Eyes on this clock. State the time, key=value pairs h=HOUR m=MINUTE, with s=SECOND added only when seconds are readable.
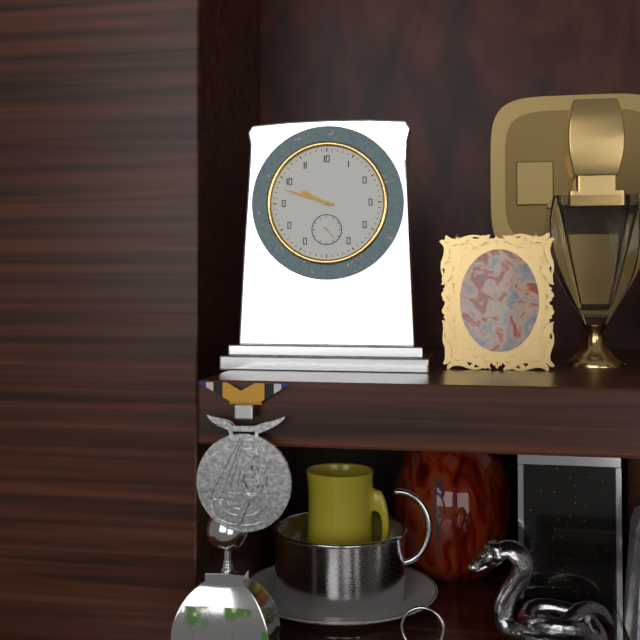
h=9 m=48
